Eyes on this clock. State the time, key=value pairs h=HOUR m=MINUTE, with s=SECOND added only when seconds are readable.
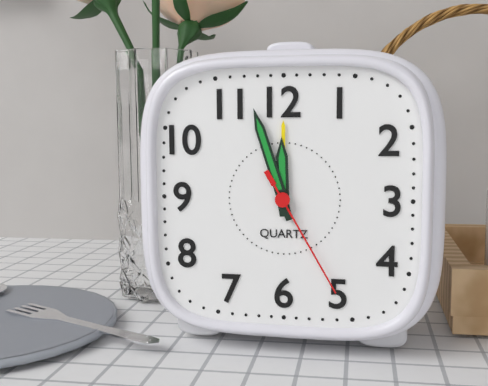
h=11 m=57 s=25
